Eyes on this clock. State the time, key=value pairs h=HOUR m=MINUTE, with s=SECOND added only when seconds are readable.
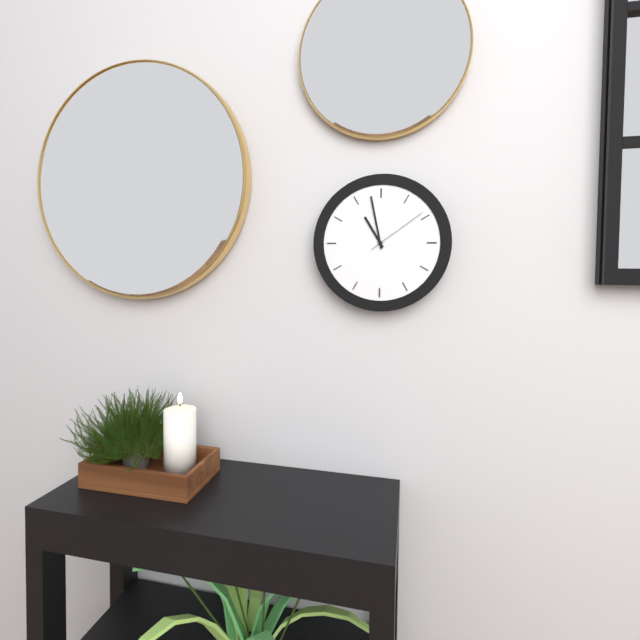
h=10 m=58 s=9
